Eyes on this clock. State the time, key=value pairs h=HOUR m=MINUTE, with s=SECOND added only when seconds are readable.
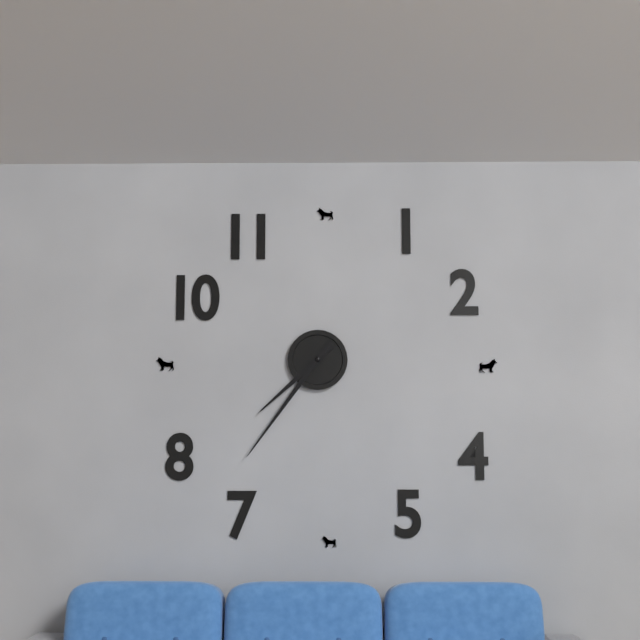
h=7 m=36
